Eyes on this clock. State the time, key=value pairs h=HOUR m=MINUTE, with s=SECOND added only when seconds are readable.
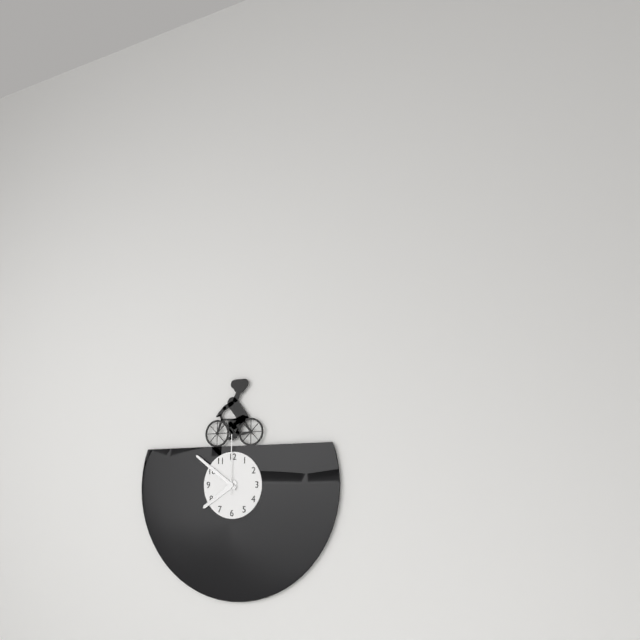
h=7 m=51 s=0
